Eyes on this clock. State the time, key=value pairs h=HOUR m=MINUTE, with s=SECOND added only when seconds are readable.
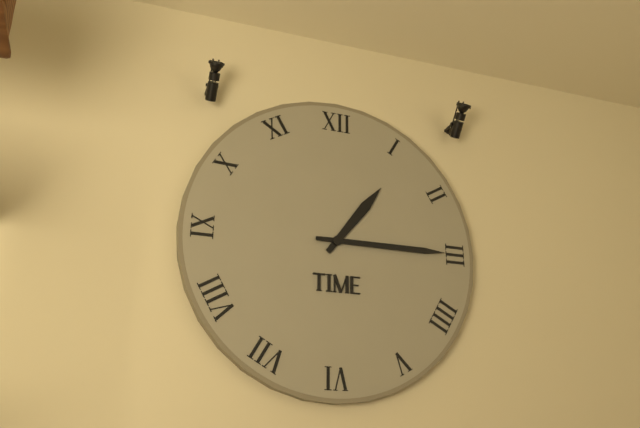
h=1 m=15
